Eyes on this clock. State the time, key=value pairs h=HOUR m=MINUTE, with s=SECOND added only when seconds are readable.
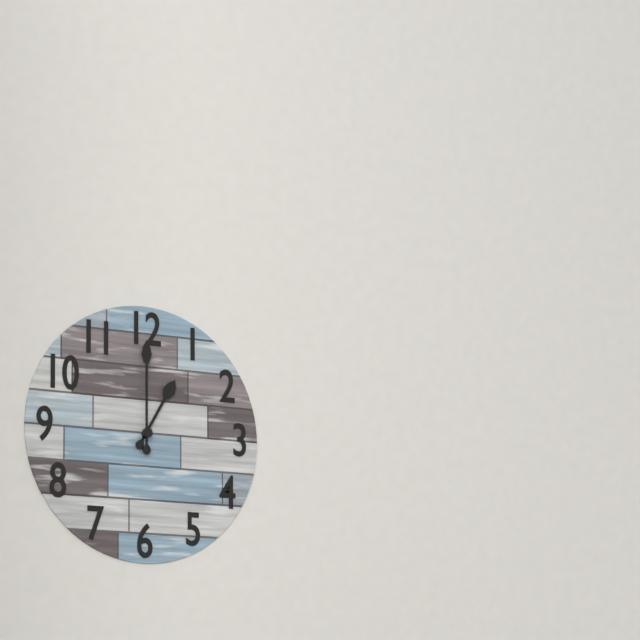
h=1 m=0
